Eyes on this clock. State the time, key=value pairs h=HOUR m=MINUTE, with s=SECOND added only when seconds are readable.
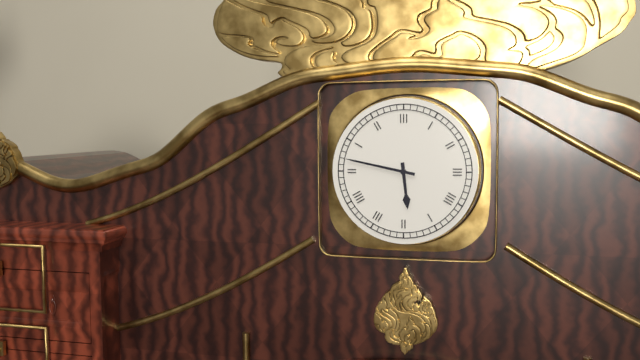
h=5 m=47
